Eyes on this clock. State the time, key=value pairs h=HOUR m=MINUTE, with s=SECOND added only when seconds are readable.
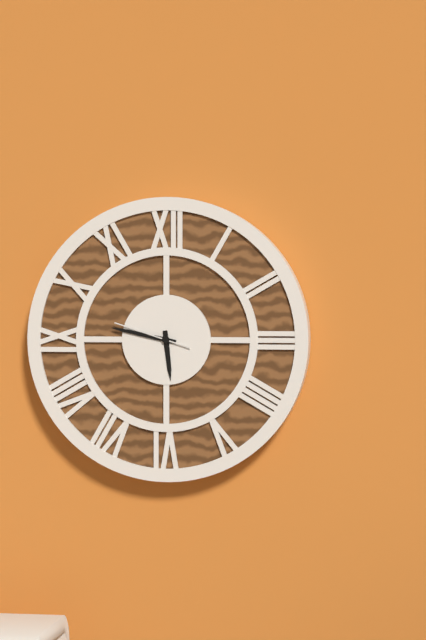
h=5 m=47 s=48
